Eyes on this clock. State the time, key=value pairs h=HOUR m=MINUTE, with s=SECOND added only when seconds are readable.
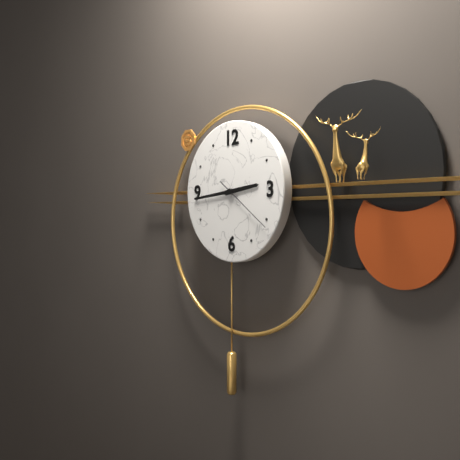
h=2 m=44 s=21
